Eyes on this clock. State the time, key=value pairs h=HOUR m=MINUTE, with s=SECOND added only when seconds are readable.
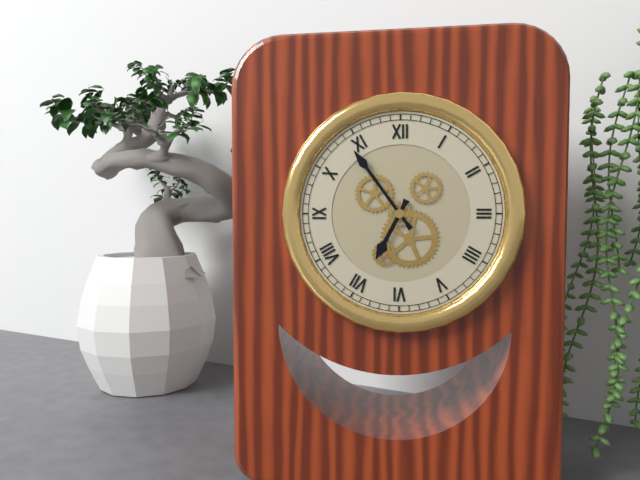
h=6 m=54
